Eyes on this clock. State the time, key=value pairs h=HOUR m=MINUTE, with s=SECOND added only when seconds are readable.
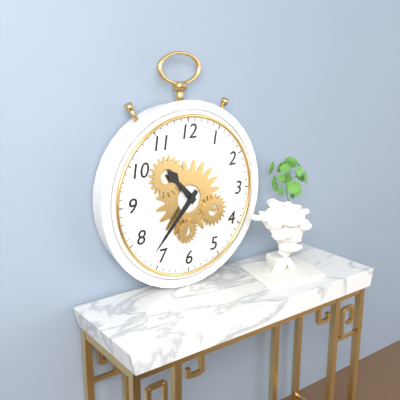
h=10 m=37
